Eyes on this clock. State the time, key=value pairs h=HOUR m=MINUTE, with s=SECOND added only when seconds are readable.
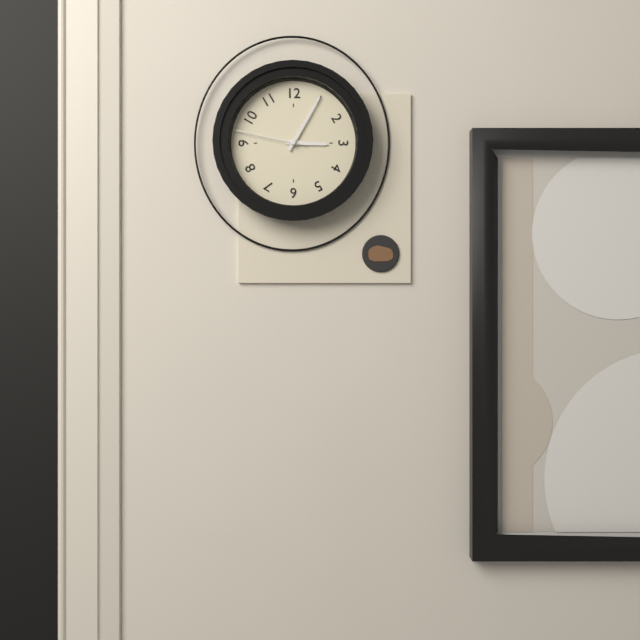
h=3 m=5 s=47
